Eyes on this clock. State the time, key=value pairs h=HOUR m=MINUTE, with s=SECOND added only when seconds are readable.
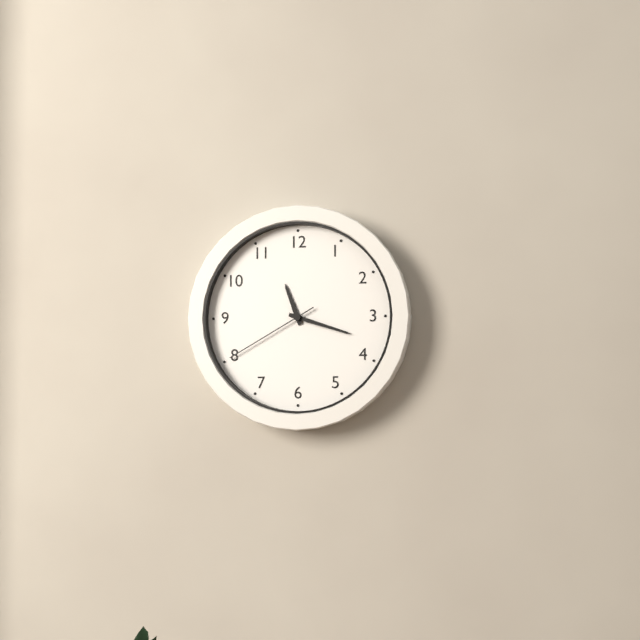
h=11 m=18 s=40
